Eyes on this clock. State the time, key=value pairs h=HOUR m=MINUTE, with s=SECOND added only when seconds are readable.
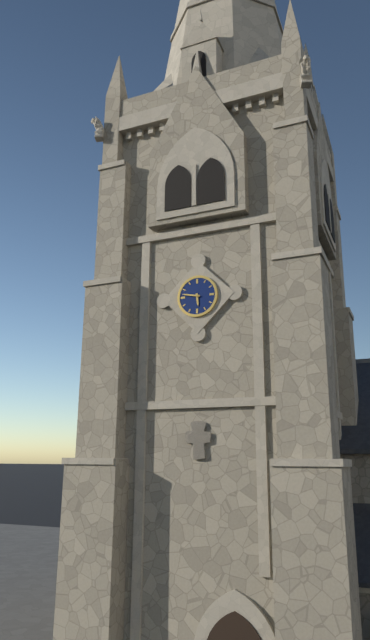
h=5 m=47
